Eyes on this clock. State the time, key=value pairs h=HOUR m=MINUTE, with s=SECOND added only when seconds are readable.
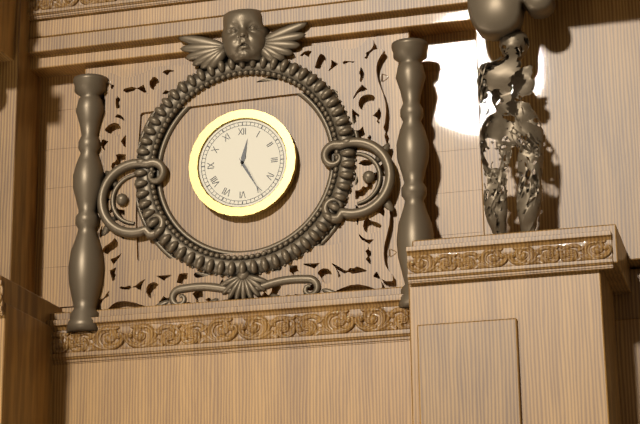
h=12 m=25
